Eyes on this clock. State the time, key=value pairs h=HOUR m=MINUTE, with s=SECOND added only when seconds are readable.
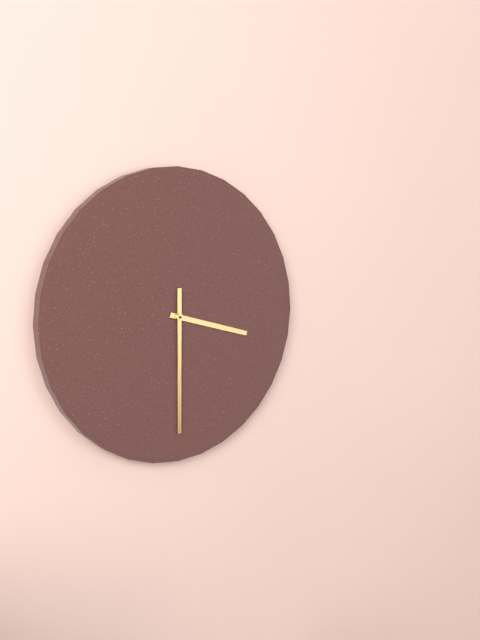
h=3 m=30
